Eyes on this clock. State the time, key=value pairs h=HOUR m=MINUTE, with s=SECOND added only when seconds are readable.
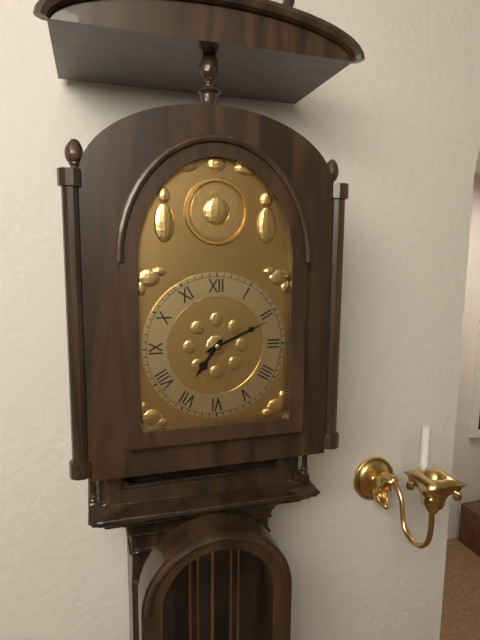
h=7 m=11
